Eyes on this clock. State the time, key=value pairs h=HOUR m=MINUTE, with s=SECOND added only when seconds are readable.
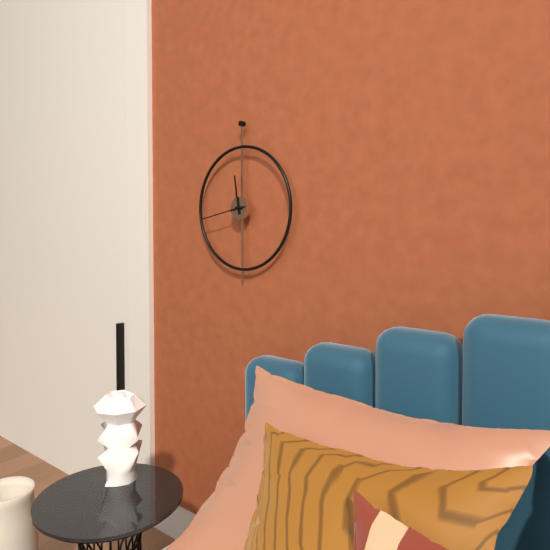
h=11 m=43
